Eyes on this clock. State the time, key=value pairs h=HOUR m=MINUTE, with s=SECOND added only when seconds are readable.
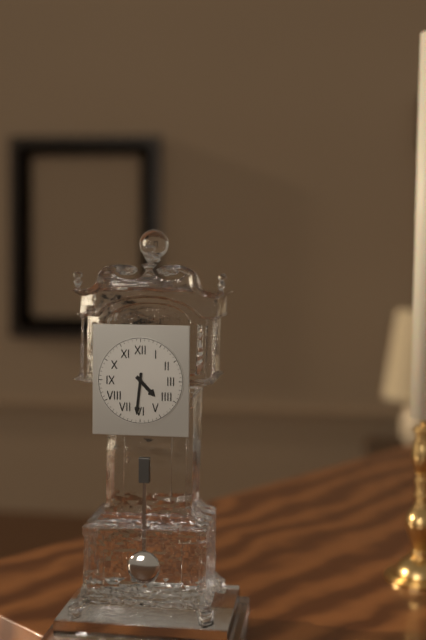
h=4 m=31
